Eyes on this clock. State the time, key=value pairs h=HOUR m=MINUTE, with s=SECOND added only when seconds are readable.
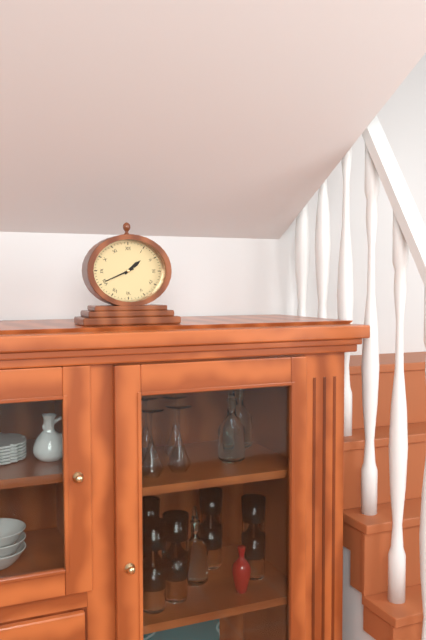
h=1 m=41
